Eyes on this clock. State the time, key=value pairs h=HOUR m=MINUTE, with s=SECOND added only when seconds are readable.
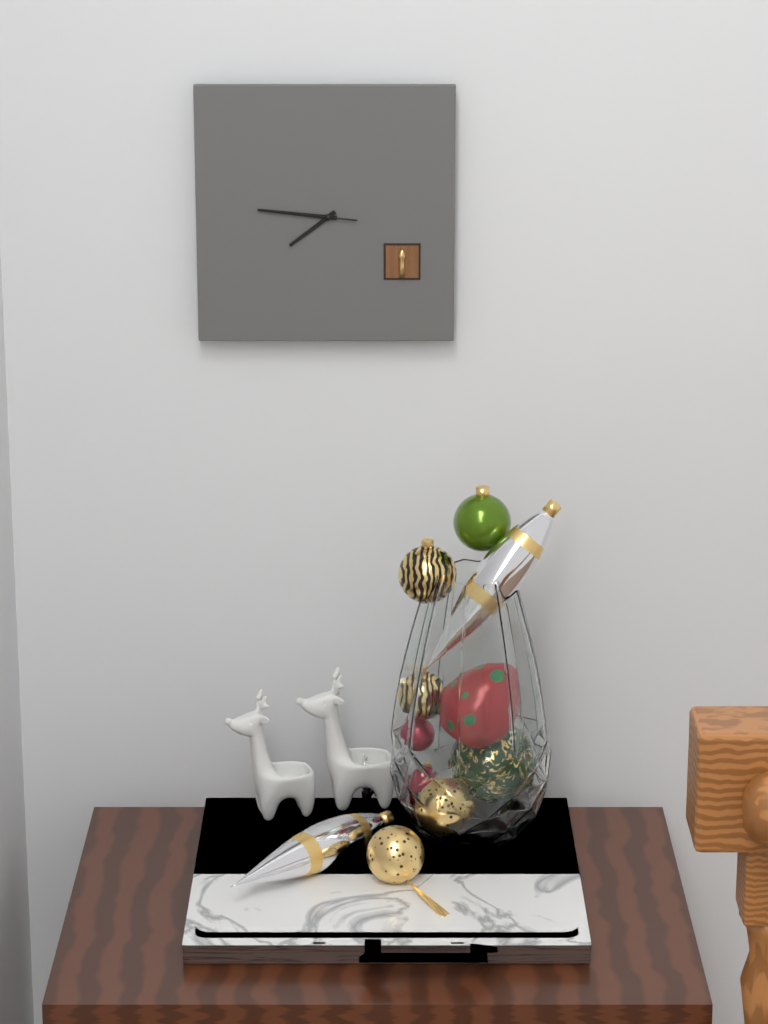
h=7 m=46 s=46
